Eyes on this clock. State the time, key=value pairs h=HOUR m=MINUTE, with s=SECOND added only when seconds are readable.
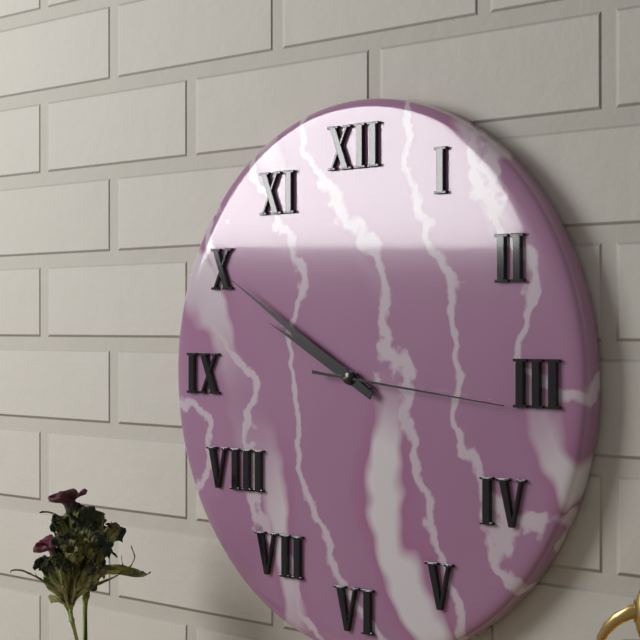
h=9 m=50 s=16
